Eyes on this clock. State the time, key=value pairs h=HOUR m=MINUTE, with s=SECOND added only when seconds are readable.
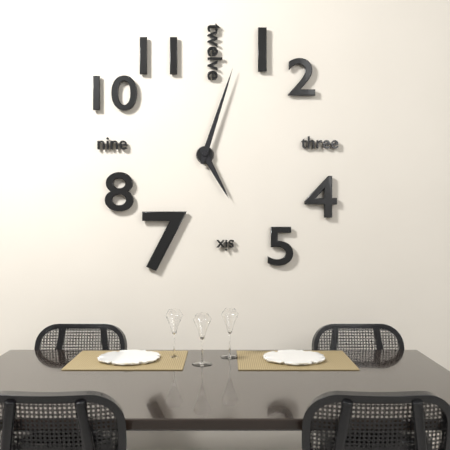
h=5 m=3
